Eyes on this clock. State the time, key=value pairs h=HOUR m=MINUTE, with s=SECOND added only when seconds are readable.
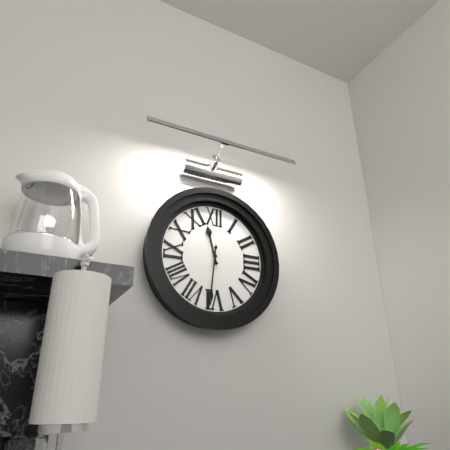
h=11 m=31
